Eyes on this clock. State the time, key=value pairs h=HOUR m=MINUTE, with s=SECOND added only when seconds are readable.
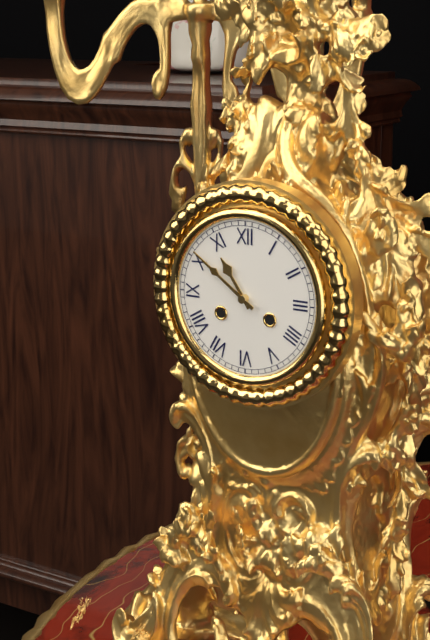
h=10 m=51
